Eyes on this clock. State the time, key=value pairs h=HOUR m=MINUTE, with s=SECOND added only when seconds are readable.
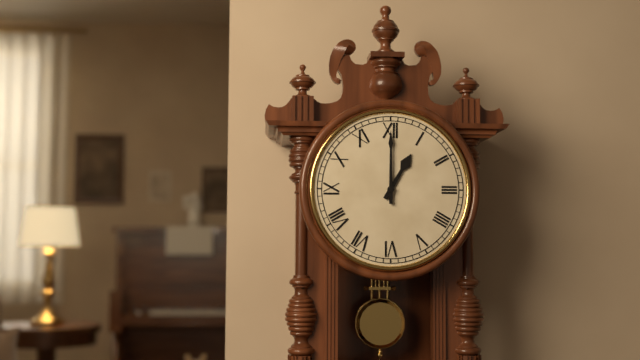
h=1 m=0
